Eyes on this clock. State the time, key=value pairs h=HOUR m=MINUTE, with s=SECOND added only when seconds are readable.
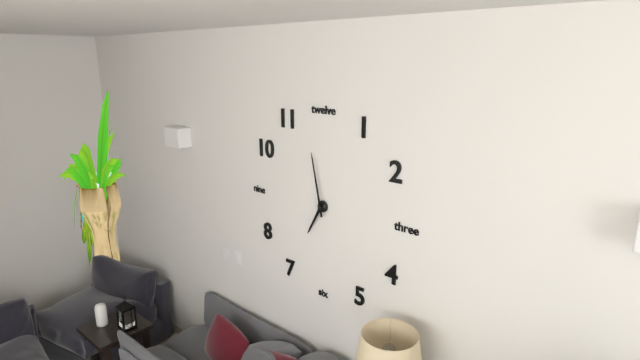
h=6 m=58
